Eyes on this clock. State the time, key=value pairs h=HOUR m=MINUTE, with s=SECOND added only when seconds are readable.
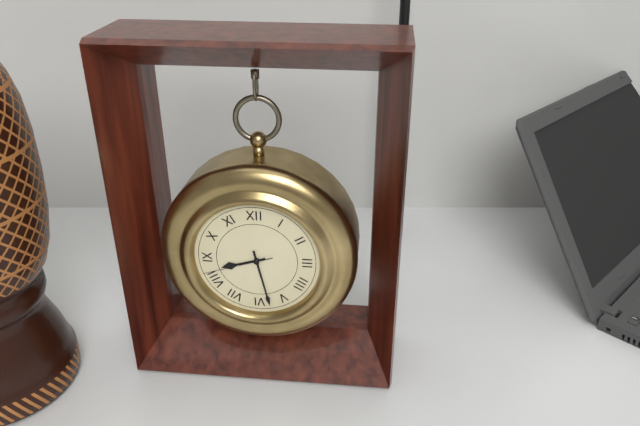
h=8 m=28 s=42
